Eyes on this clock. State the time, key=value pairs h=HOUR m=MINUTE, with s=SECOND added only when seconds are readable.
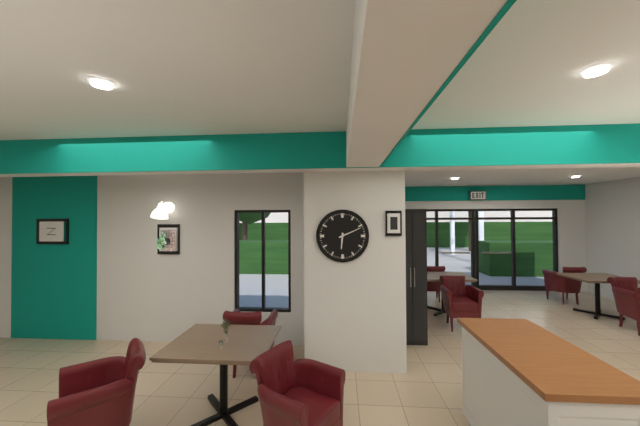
h=6 m=11
